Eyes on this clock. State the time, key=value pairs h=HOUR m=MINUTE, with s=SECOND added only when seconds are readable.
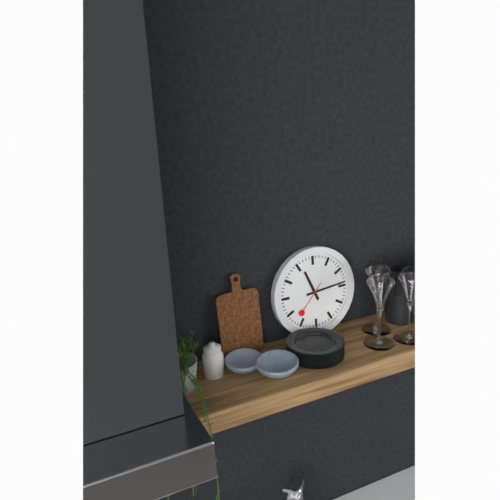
h=11 m=14
